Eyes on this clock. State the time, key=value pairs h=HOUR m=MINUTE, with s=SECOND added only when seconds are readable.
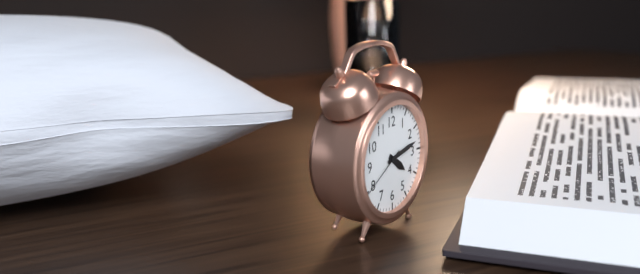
h=4 m=13 s=40
